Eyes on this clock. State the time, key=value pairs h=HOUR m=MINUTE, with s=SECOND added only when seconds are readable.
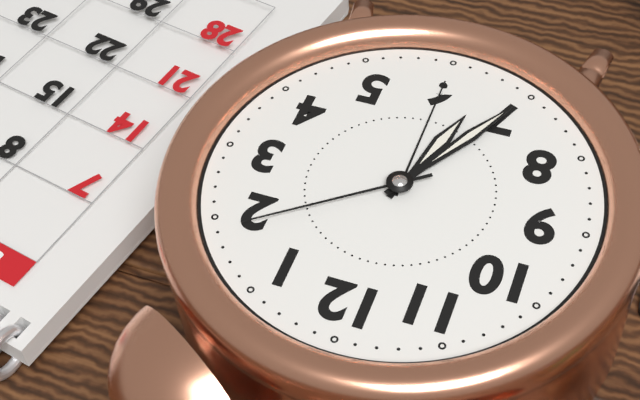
h=6 m=35 s=9
